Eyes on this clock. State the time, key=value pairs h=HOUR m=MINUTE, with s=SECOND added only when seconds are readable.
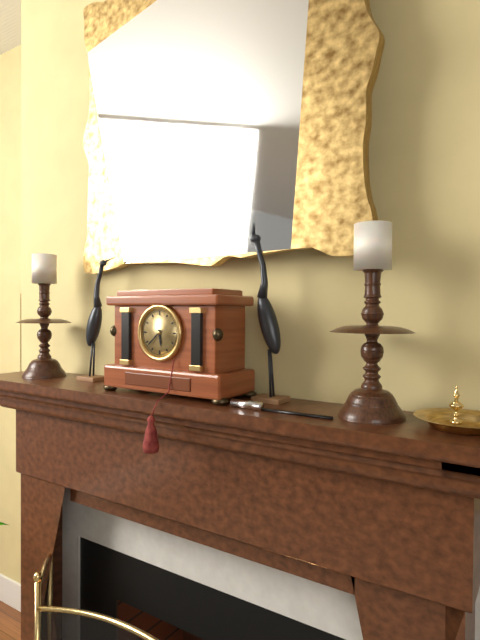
h=5 m=38
